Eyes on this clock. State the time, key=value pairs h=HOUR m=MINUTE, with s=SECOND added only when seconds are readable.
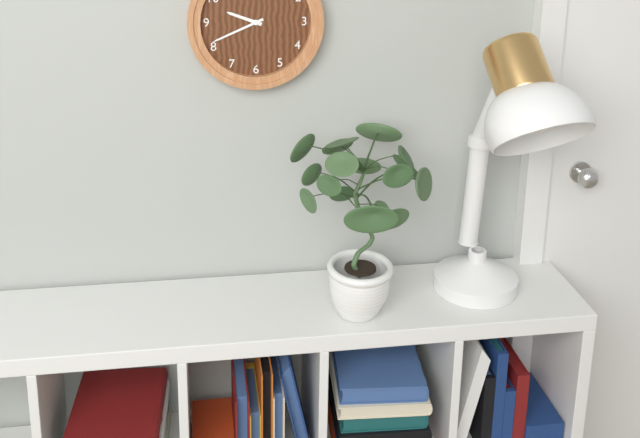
h=9 m=41
